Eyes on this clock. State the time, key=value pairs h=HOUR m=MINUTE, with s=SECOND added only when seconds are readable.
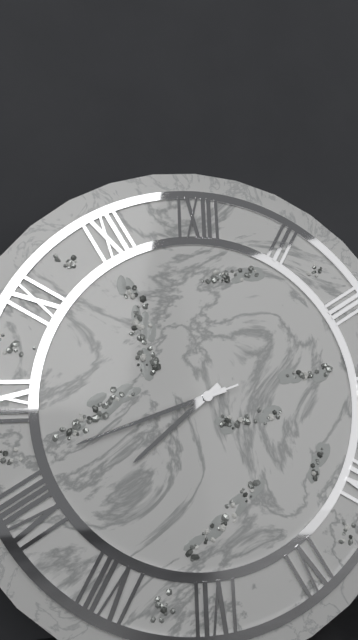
h=7 m=42 s=42
